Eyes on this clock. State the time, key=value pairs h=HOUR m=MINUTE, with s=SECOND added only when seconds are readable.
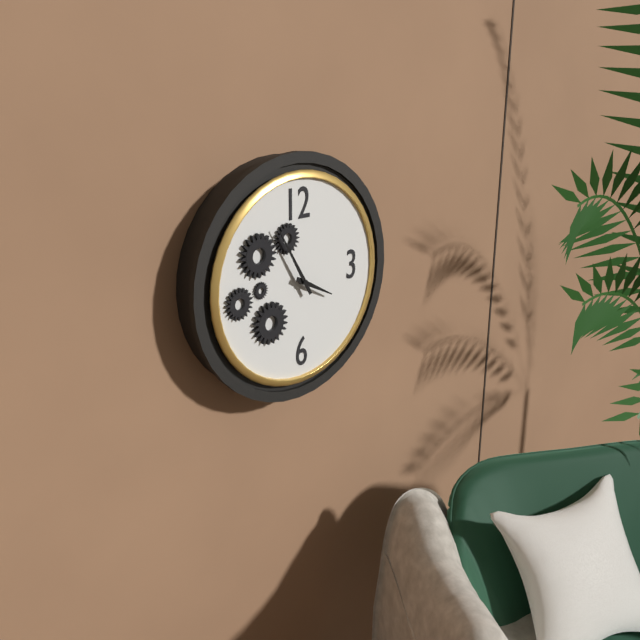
h=3 m=55
